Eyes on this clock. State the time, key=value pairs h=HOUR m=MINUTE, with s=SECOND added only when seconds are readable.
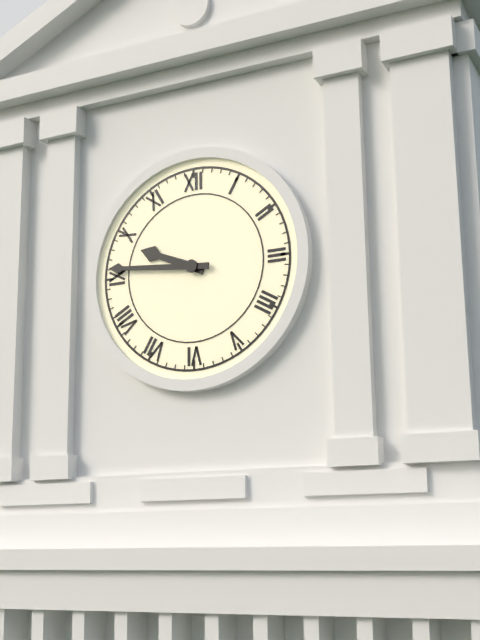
h=9 m=46
